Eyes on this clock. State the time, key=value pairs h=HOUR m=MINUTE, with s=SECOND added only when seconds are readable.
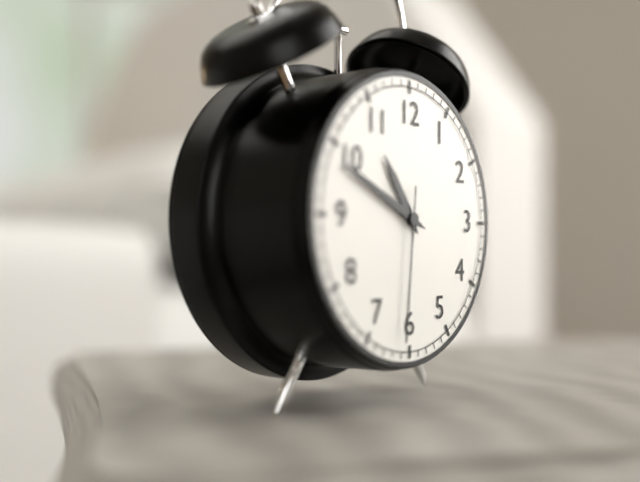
h=10 m=49 s=31
